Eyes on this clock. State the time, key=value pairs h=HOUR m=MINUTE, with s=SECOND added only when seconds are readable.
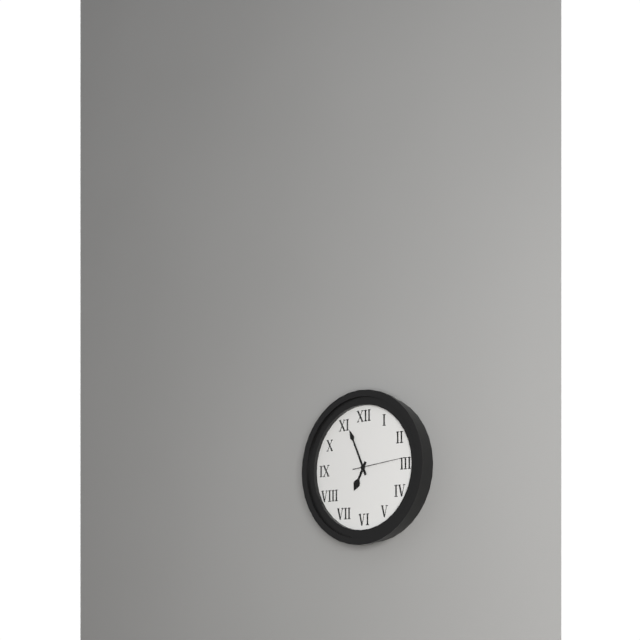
h=6 m=56 s=14
